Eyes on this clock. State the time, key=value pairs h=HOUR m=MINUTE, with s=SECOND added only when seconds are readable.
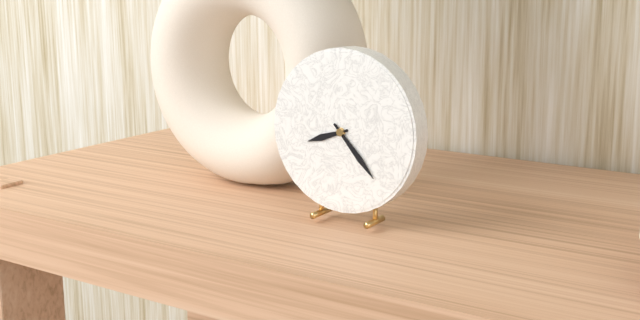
h=8 m=23
